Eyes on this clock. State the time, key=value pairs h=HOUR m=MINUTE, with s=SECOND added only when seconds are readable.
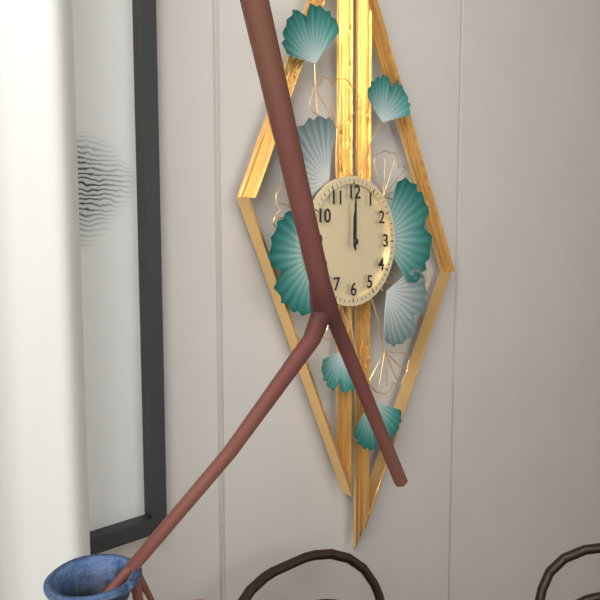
h=12 m=0
